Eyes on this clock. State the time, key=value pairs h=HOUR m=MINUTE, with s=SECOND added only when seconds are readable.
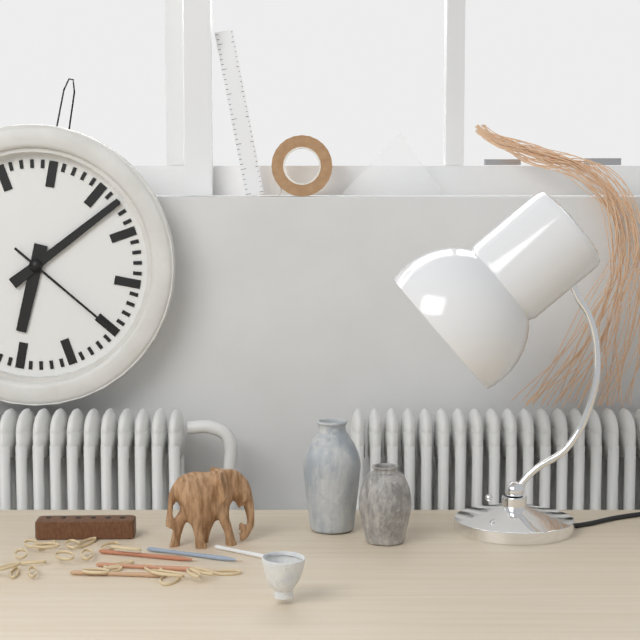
h=6 m=7 s=20
